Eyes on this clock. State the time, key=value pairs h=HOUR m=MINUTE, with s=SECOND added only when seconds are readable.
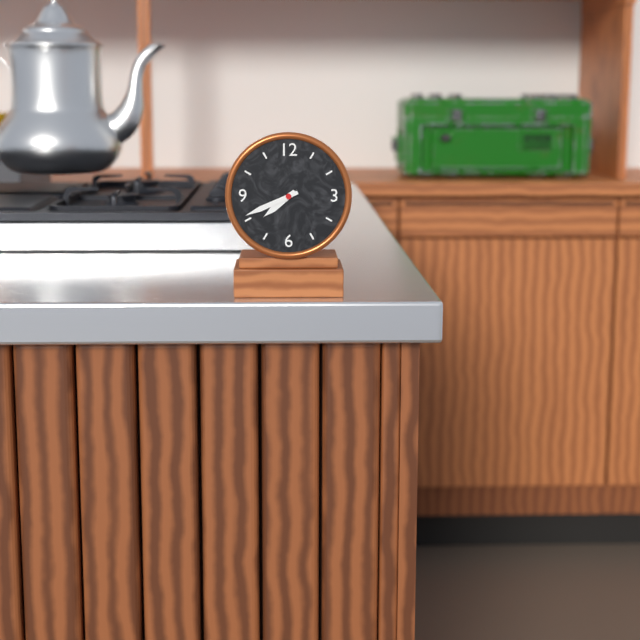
h=7 m=41
